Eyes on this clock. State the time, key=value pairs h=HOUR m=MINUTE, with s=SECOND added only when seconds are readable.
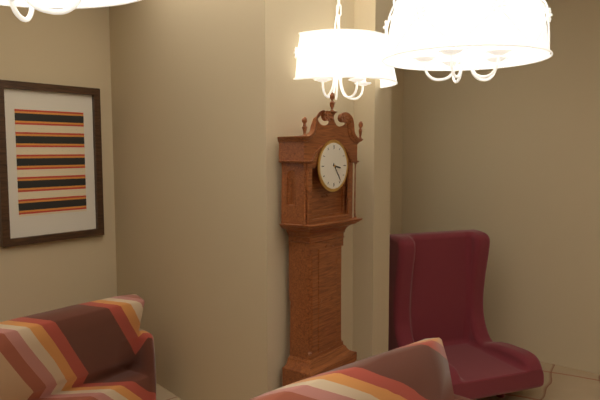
h=3 m=24
